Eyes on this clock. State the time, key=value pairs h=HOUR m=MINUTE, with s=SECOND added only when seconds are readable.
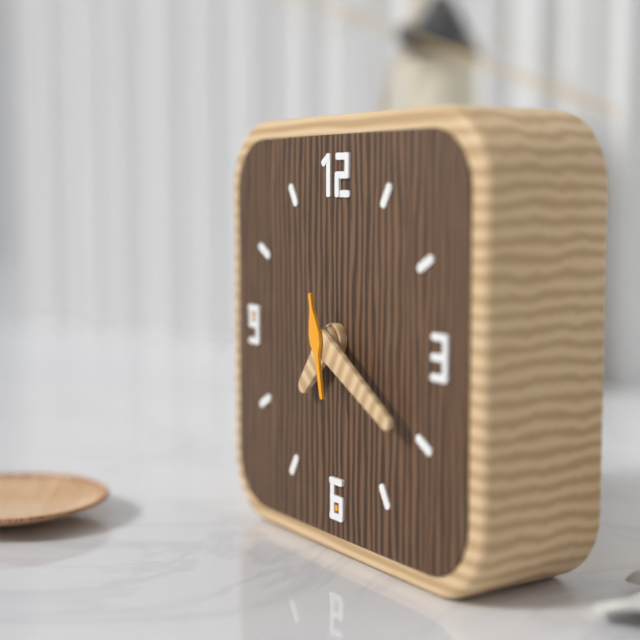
h=7 m=20 s=28
